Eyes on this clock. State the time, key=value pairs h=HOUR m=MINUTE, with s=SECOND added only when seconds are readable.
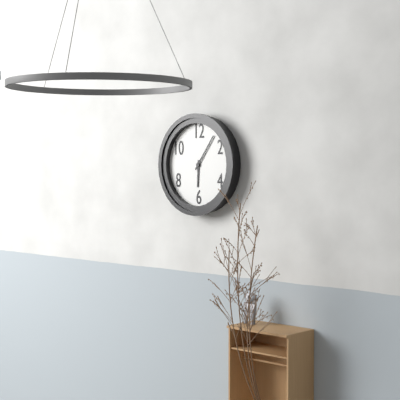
h=6 m=6
